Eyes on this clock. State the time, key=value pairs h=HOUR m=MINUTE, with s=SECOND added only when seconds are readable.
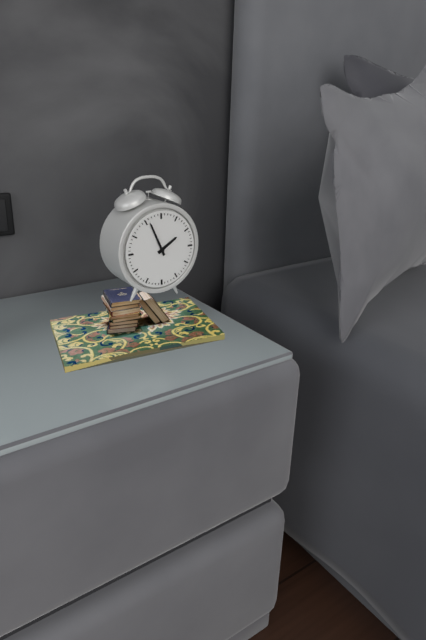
h=1 m=56
